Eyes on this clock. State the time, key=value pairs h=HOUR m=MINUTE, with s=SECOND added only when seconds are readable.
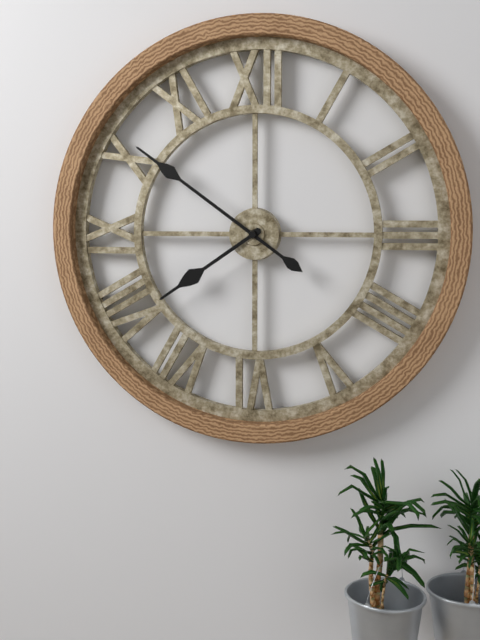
h=7 m=51
